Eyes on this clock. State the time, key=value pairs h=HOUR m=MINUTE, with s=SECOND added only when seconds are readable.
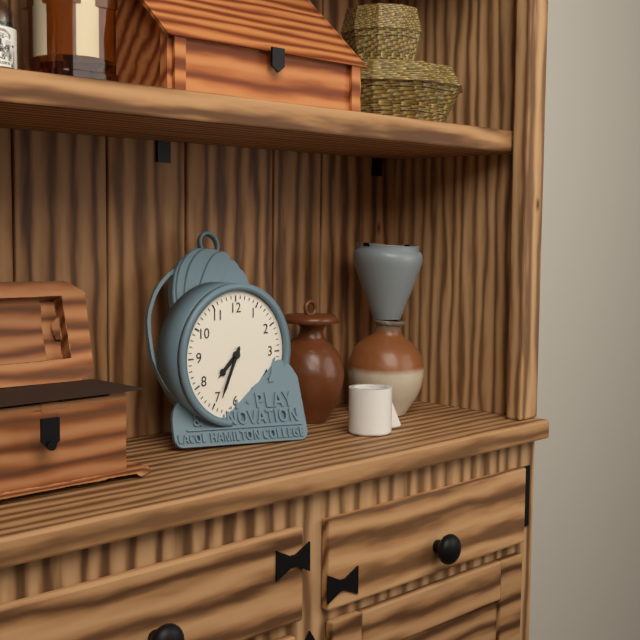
h=7 m=34
